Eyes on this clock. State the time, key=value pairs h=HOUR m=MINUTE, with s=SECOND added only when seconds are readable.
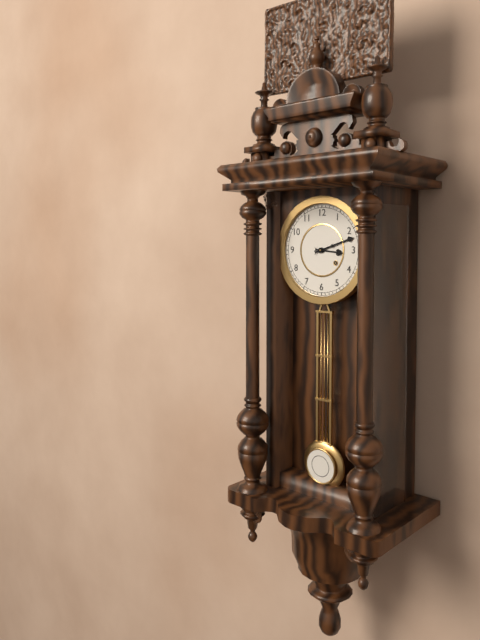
h=3 m=12
